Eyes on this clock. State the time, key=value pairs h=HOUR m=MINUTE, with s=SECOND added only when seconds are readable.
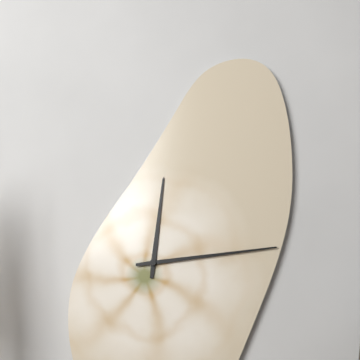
h=12 m=14
